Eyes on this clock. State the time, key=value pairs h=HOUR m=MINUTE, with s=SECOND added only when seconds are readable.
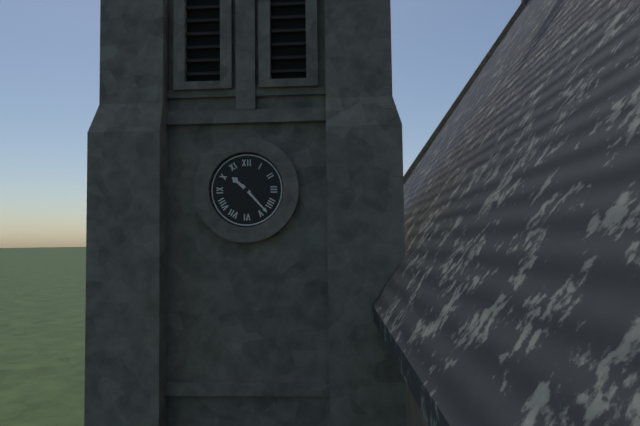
h=10 m=23
